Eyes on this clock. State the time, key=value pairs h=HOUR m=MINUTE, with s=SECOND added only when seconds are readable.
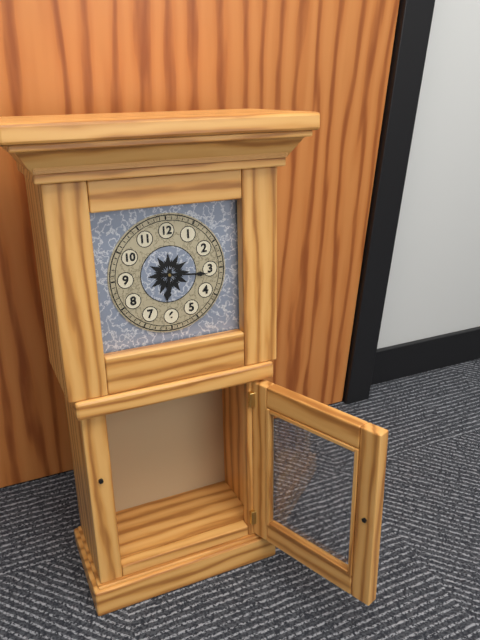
h=6 m=16
